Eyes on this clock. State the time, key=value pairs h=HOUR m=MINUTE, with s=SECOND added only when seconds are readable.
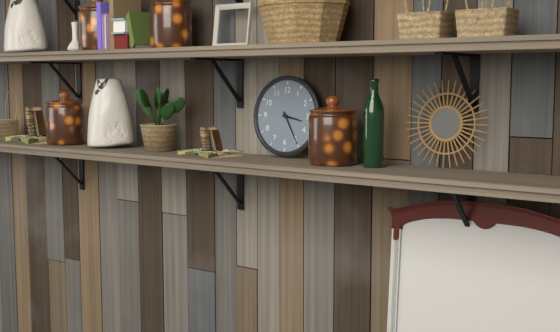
h=3 m=25
